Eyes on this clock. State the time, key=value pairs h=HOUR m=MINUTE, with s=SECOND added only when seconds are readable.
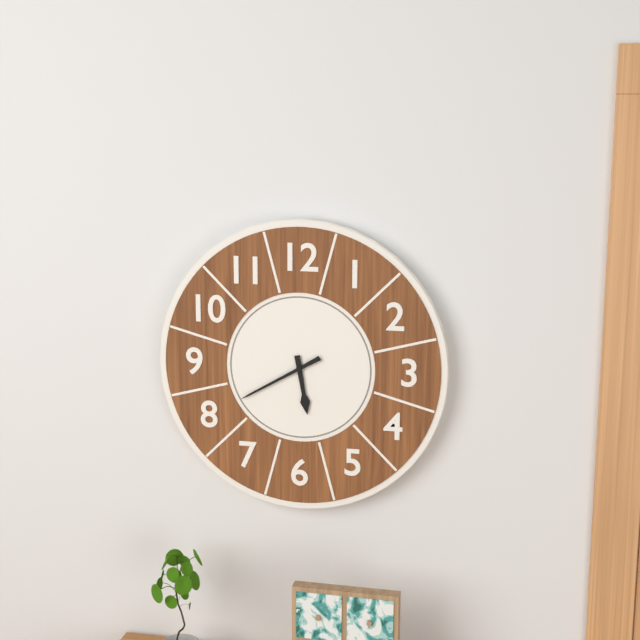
h=5 m=40
